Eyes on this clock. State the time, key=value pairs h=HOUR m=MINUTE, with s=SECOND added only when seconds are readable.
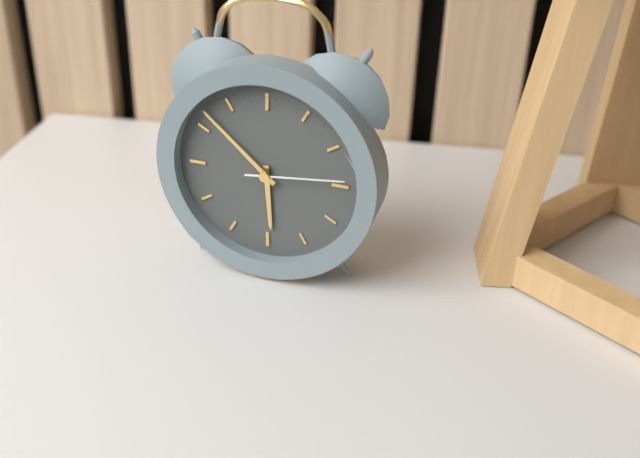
h=5 m=52 s=14
